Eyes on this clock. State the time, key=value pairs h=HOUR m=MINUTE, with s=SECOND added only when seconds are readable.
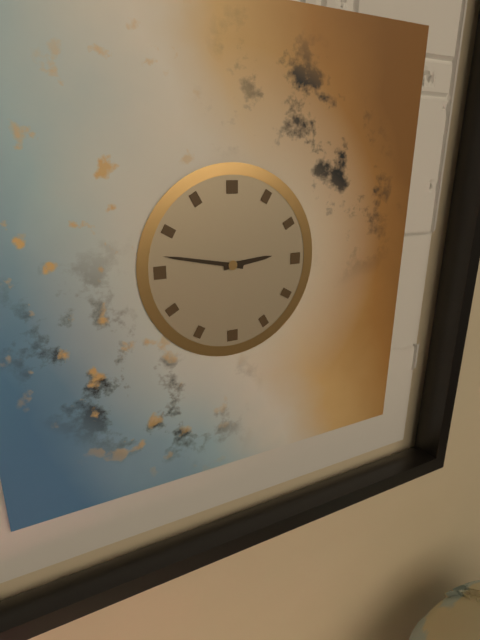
h=2 m=47
